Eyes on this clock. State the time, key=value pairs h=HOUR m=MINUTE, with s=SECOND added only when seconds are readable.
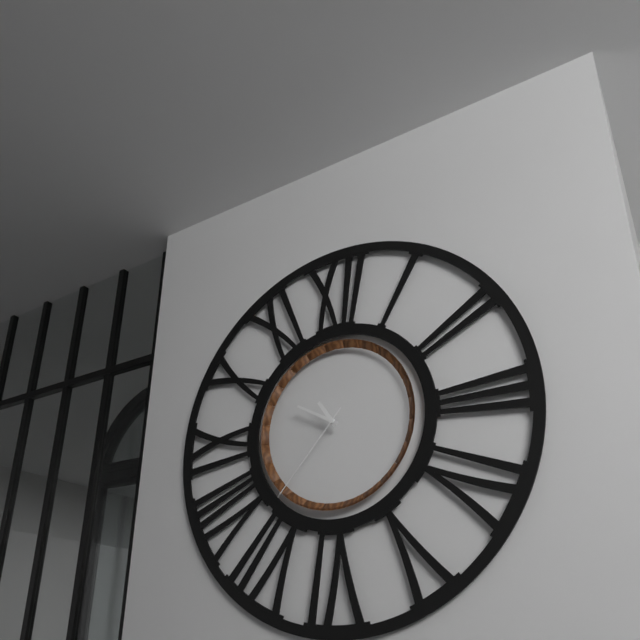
h=10 m=50 s=37
